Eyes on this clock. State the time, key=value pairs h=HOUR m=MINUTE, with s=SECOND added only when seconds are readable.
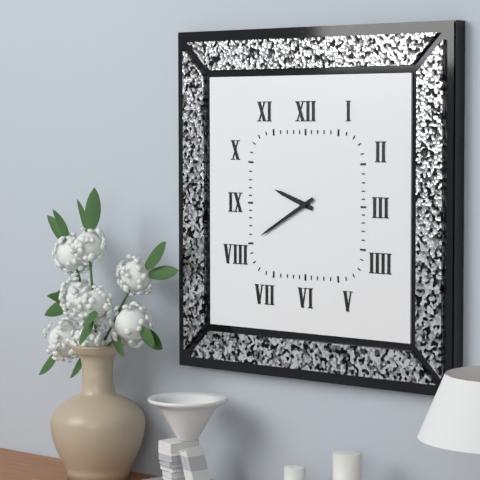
h=9 m=40
